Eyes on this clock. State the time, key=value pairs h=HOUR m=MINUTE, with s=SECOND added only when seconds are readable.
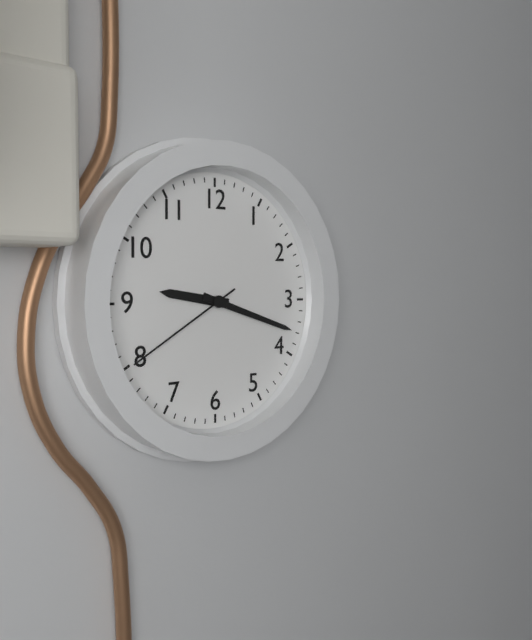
h=9 m=18 s=40
